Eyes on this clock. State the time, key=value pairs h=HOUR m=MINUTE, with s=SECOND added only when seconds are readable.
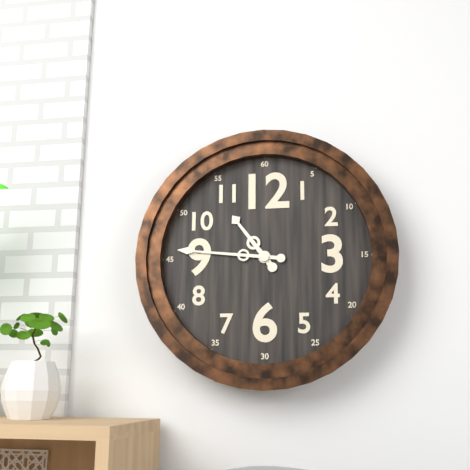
h=10 m=46
